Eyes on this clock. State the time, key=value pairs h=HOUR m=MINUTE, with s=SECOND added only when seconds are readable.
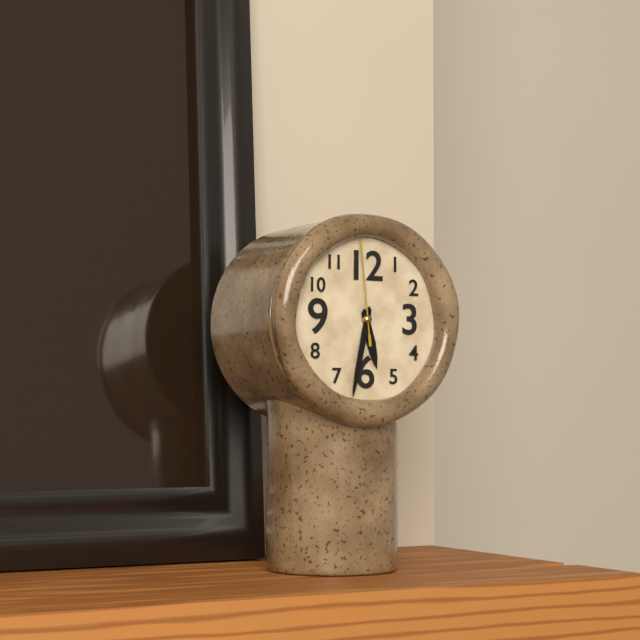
h=5 m=32 s=59
